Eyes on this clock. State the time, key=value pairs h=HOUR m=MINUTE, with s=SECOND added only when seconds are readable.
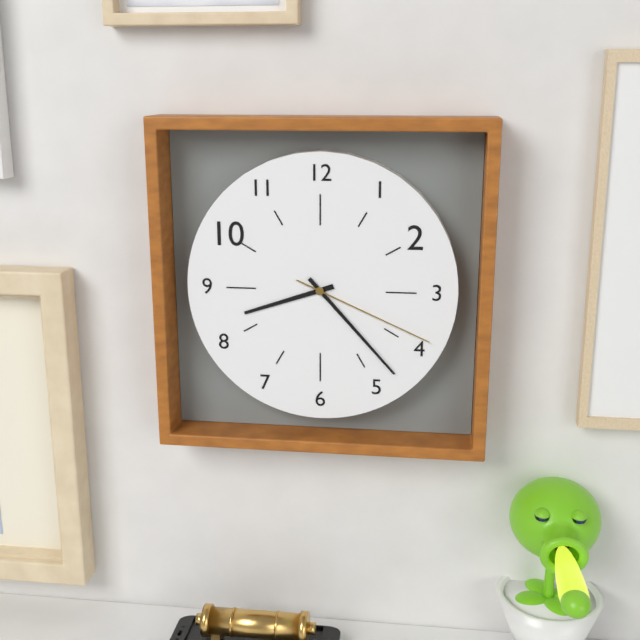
h=8 m=23 s=19
